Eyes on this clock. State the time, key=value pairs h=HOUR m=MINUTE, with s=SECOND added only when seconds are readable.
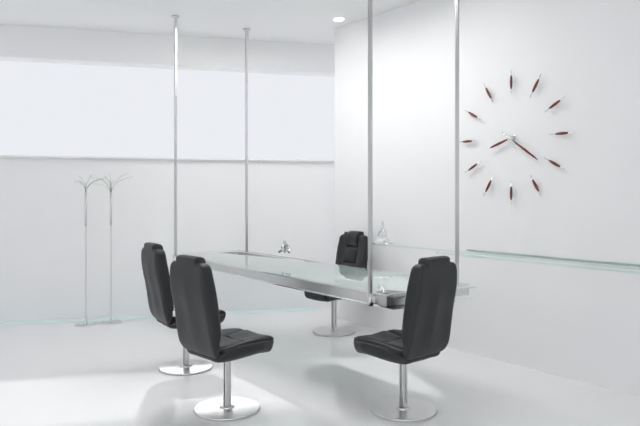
h=8 m=21
